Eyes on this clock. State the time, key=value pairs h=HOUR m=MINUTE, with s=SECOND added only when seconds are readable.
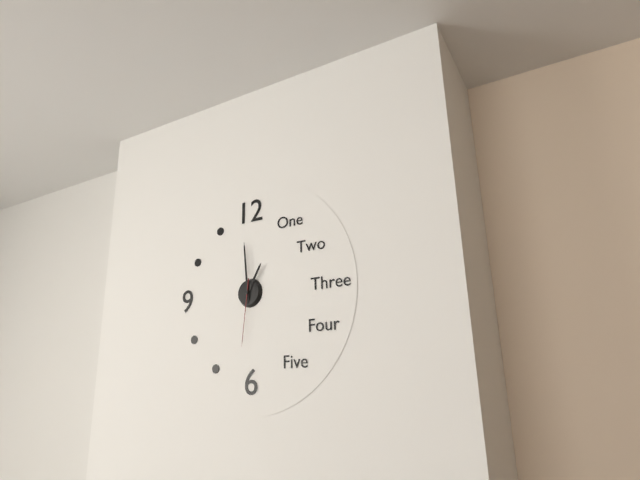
h=12 m=59 s=31
